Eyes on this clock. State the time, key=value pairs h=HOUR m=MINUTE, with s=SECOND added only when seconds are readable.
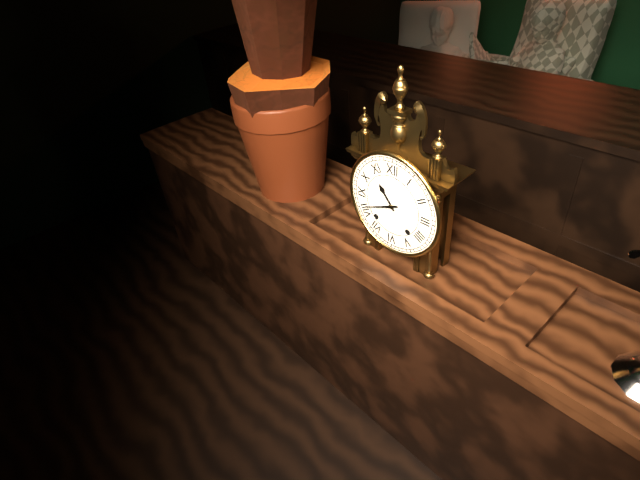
h=10 m=41
